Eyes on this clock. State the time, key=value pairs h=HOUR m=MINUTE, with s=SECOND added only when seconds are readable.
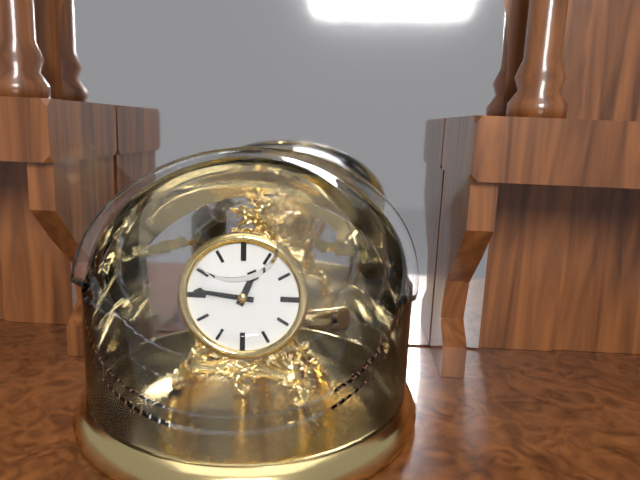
h=12 m=46
